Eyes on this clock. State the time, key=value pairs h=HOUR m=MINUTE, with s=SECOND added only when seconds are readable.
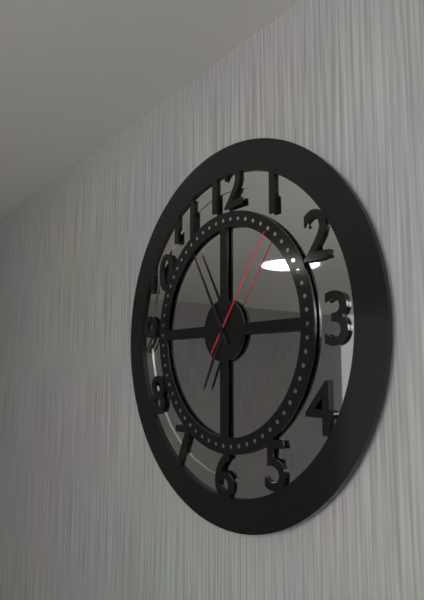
h=6 m=55 s=6
